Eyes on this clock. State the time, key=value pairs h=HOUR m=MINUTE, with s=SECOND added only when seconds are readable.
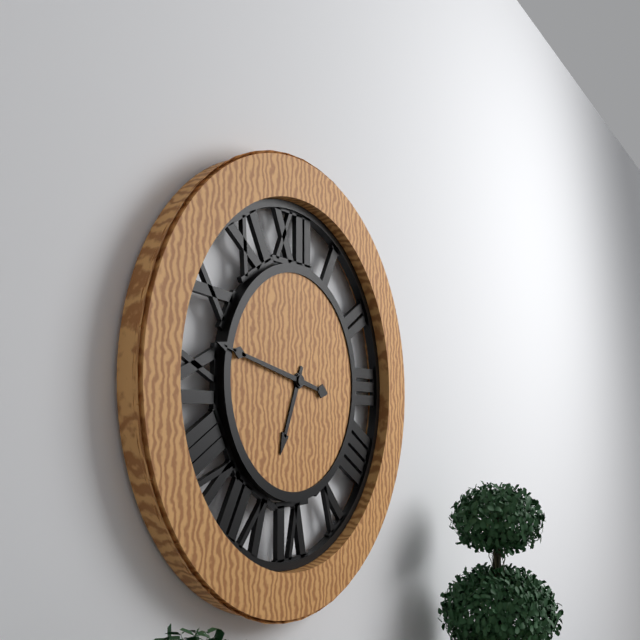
h=6 m=47
